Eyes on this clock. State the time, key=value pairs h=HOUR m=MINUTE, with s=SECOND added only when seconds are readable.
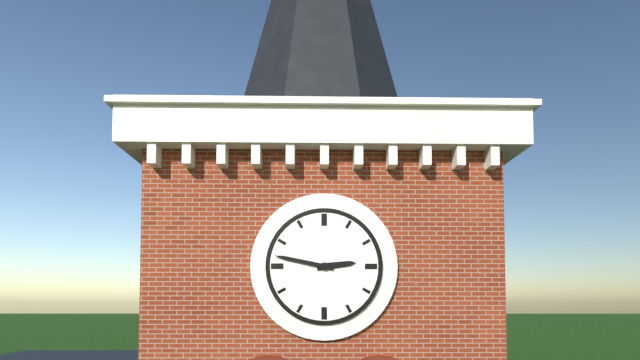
h=2 m=47
